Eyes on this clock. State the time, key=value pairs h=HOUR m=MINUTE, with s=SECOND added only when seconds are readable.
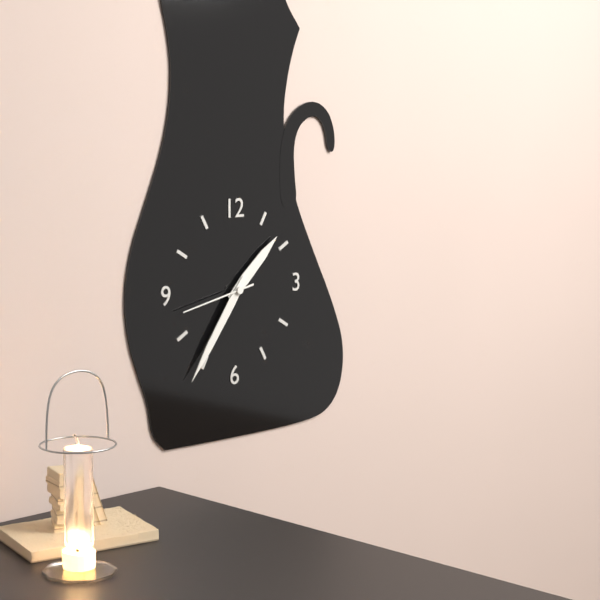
h=1 m=36 s=43
